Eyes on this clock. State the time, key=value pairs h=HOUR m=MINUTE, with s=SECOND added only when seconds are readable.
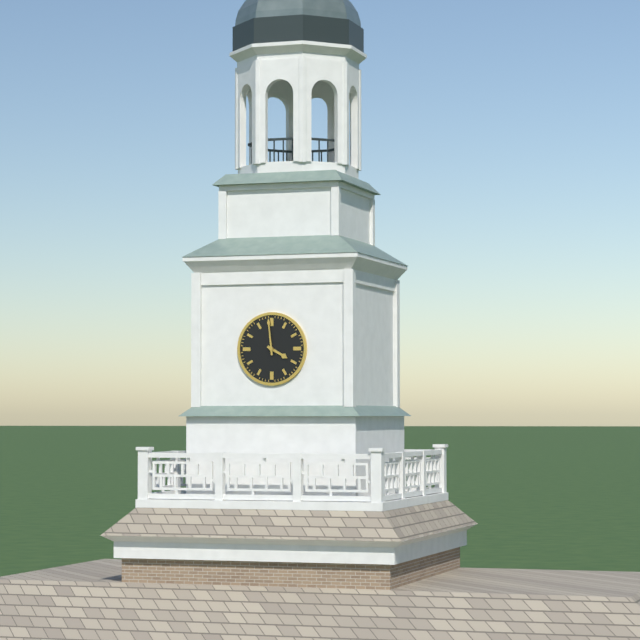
h=3 m=59
